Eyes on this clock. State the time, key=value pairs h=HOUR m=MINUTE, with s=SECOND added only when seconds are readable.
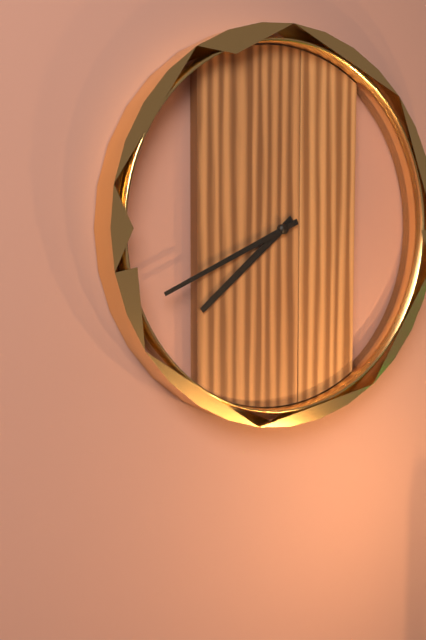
h=7 m=41
